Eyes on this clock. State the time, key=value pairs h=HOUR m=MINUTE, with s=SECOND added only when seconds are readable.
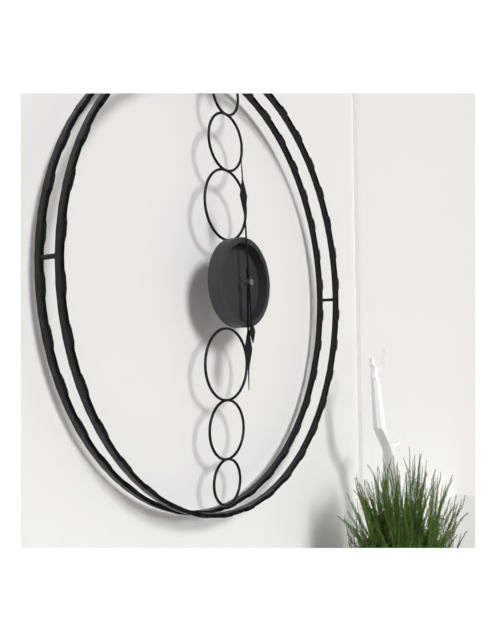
h=5 m=59
